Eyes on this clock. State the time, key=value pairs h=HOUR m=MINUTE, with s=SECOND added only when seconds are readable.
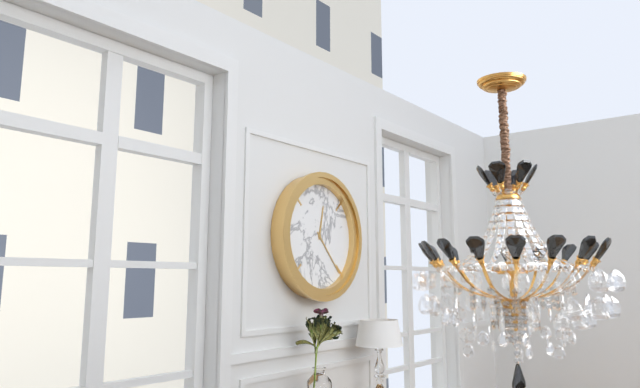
h=12 m=23
